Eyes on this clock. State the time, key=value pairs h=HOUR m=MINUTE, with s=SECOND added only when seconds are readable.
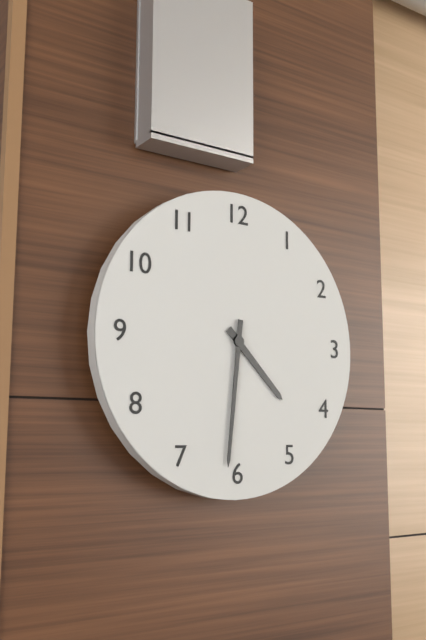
h=4 m=31
